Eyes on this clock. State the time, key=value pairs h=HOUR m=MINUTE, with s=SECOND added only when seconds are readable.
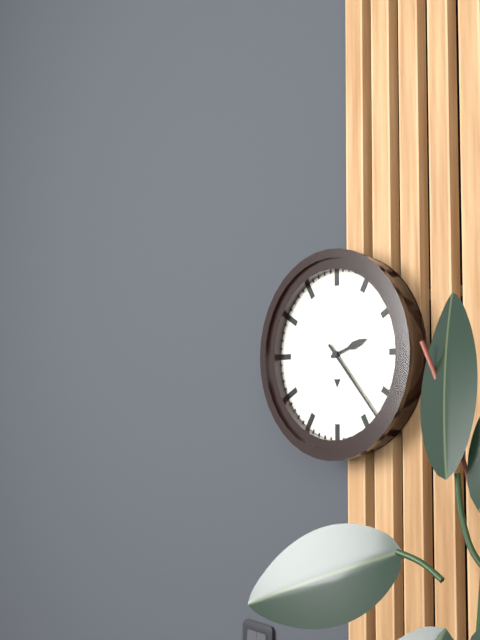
h=2 m=23
